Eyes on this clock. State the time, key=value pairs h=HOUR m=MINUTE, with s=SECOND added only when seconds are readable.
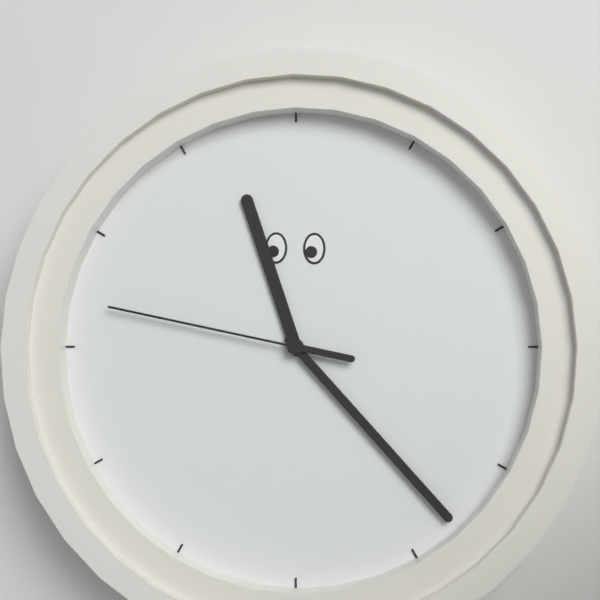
h=11 m=23 s=47
